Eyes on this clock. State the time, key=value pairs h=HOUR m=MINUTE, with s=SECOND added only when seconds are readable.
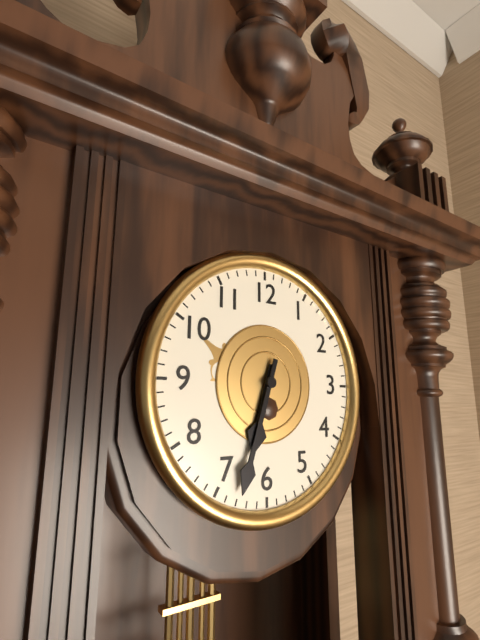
h=6 m=33
